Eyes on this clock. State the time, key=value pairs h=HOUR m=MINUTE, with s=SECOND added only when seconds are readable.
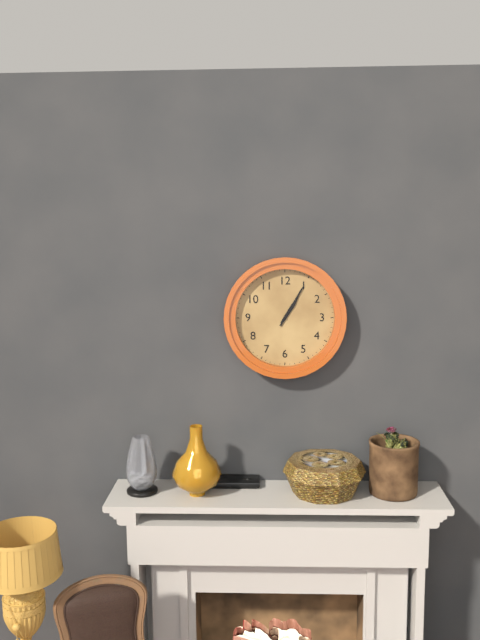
h=1 m=5
